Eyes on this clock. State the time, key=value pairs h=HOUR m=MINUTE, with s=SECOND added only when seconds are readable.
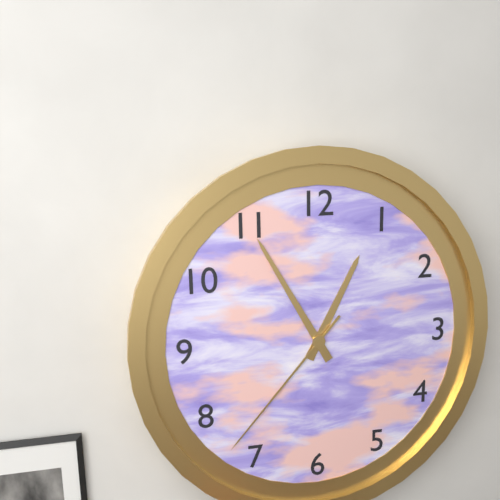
h=12 m=55 s=37
